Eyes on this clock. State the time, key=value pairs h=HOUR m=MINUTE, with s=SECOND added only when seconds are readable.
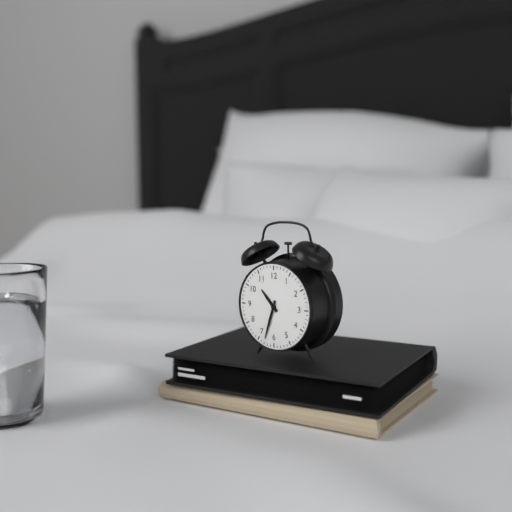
h=10 m=33
